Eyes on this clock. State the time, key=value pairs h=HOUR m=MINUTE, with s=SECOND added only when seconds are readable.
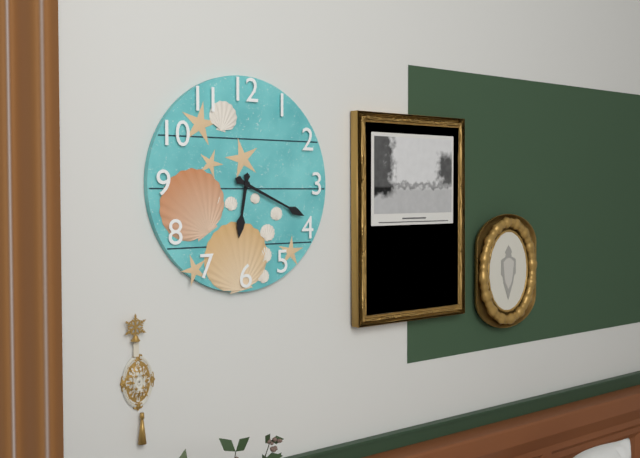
h=6 m=19
